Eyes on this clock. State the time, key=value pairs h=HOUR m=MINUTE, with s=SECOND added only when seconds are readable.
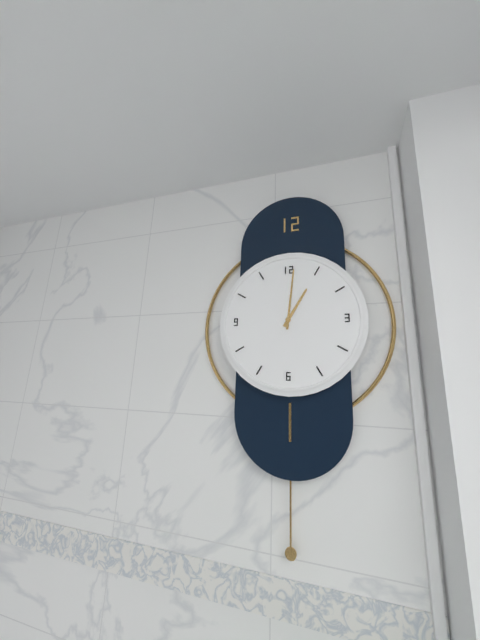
h=1 m=1
